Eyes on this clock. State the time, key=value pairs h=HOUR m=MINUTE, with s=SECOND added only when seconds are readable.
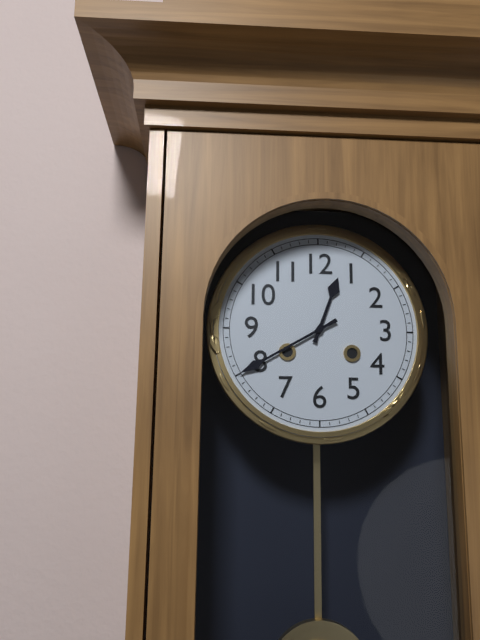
h=12 m=40
